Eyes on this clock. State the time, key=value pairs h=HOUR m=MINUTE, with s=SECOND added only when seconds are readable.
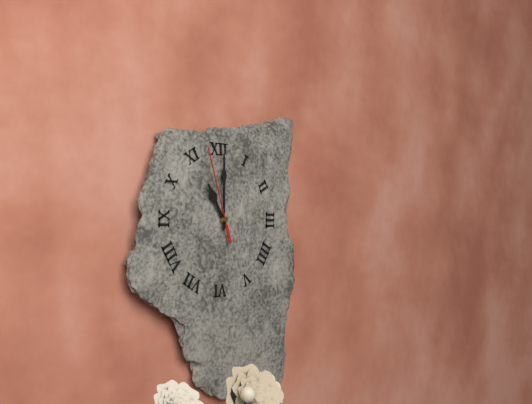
h=11 m=0 s=57
